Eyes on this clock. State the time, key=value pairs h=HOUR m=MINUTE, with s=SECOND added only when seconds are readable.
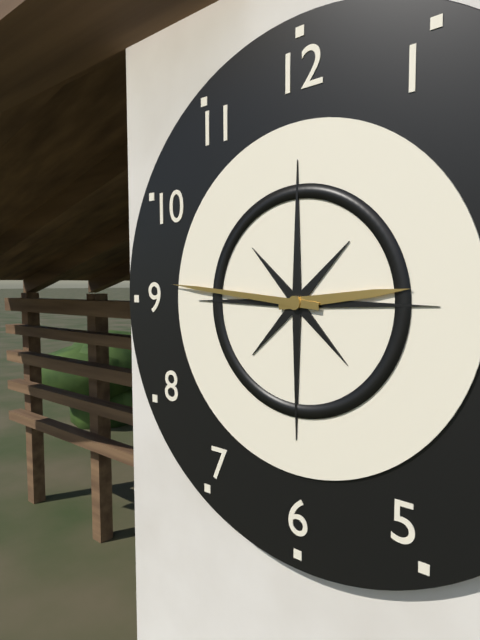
h=2 m=46
